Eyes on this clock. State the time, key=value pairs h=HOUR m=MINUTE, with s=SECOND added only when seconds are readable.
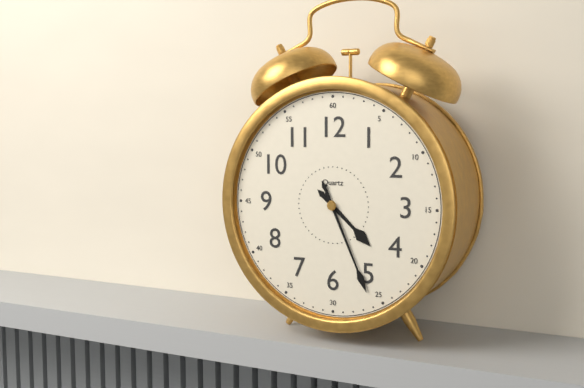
h=4 m=26
